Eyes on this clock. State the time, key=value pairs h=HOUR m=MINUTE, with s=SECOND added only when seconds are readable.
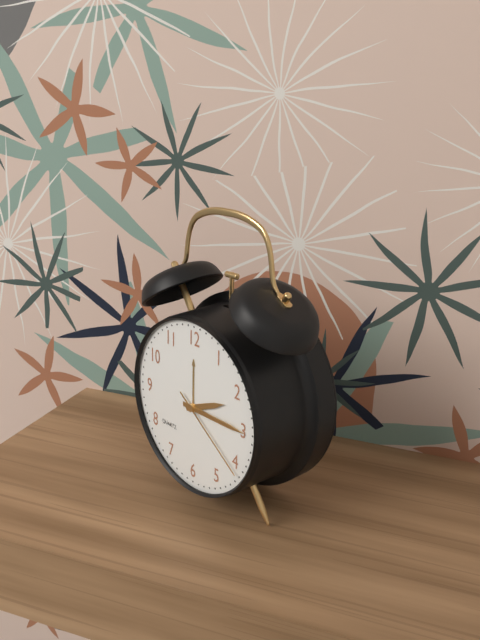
h=2 m=15 s=21
